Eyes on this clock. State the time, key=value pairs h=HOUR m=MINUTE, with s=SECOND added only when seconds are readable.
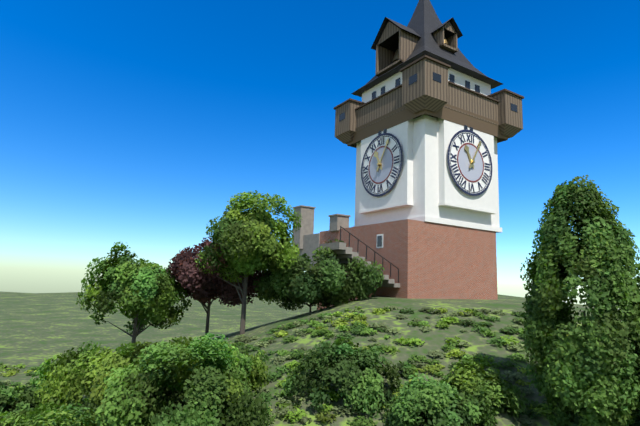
h=11 m=5
